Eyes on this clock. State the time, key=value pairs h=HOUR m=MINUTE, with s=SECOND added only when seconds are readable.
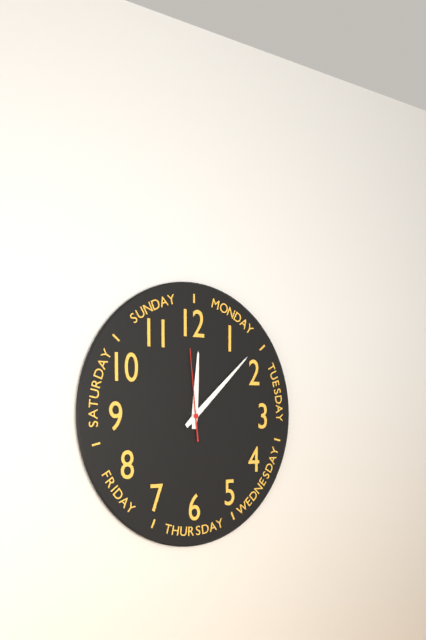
h=12 m=8 s=59
